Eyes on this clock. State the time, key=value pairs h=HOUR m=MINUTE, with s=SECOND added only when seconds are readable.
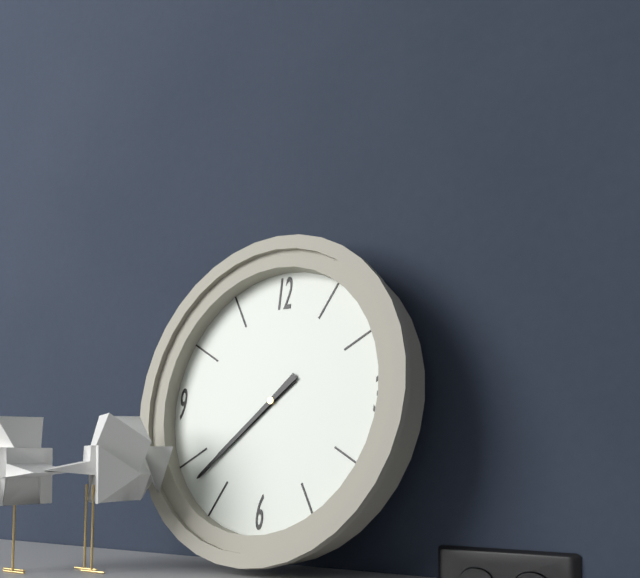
h=7 m=38
